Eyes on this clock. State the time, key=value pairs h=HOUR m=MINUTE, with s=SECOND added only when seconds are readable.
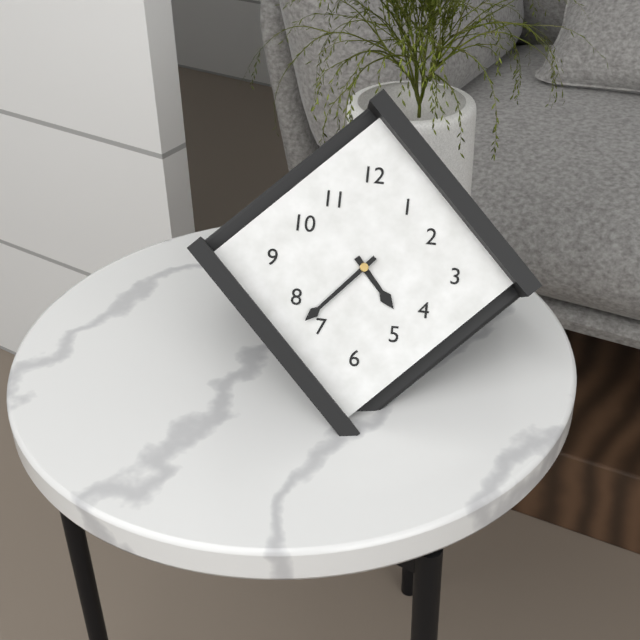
h=4 m=37
